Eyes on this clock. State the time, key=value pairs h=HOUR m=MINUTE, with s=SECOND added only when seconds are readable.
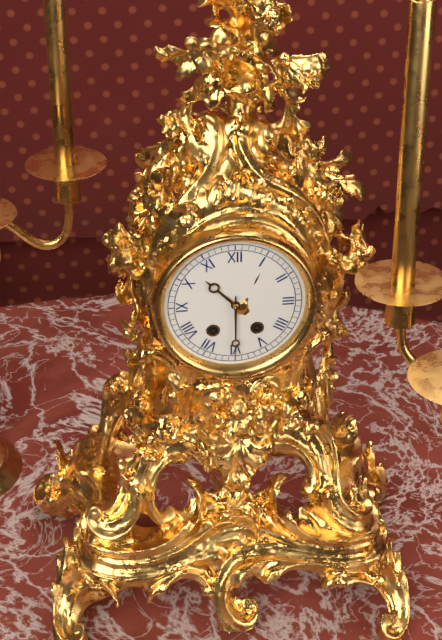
h=10 m=30
